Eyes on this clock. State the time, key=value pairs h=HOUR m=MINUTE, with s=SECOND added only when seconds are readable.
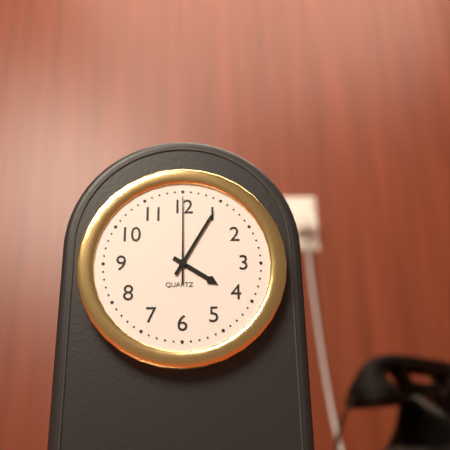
h=4 m=5 s=0
